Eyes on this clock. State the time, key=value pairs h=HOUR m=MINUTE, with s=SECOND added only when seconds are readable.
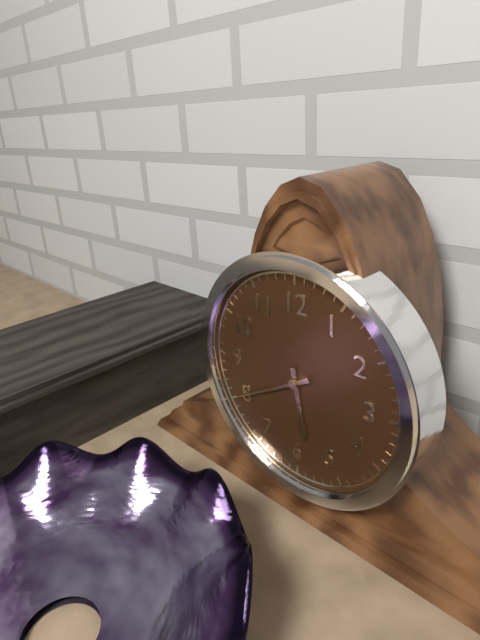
h=5 m=40
